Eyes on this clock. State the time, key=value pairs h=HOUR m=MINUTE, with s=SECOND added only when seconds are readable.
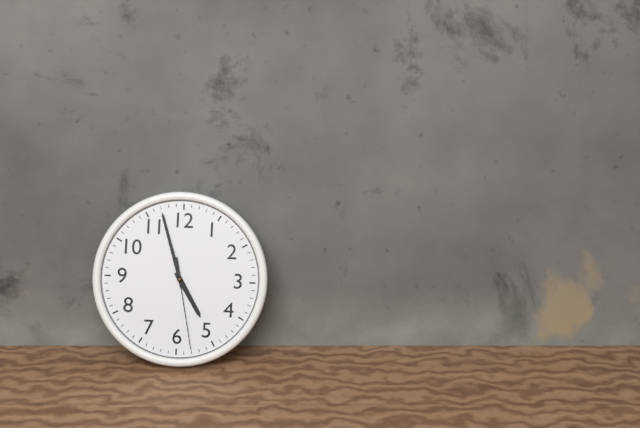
h=4 m=57 s=28
